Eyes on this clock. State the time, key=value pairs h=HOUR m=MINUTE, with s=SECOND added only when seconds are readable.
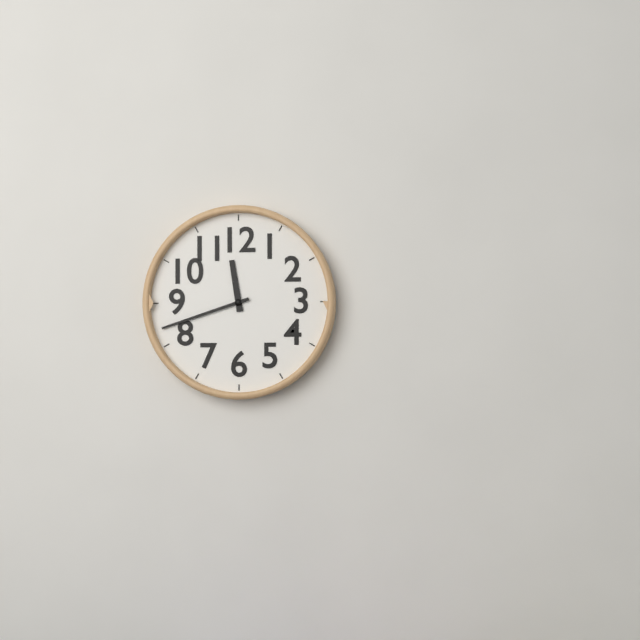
h=11 m=42
